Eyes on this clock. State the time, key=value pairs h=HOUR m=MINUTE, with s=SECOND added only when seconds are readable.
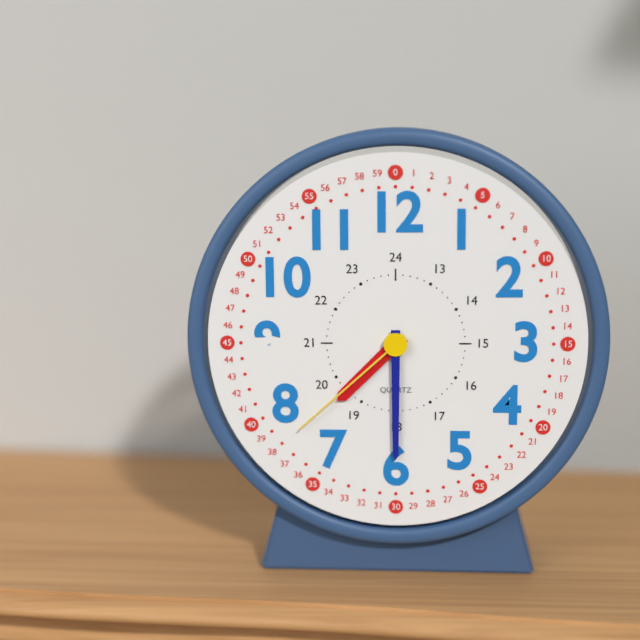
h=7 m=30 s=38
